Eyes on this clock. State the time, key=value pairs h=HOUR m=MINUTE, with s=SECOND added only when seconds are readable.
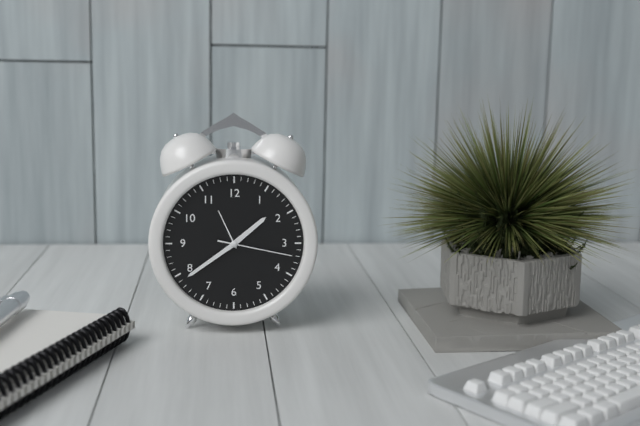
h=1 m=39 s=17
